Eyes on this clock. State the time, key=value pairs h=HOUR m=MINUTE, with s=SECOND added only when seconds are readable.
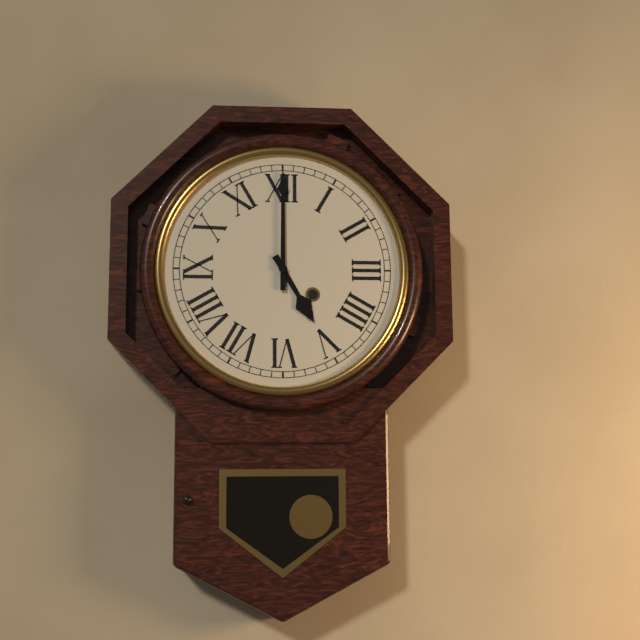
h=5 m=0
